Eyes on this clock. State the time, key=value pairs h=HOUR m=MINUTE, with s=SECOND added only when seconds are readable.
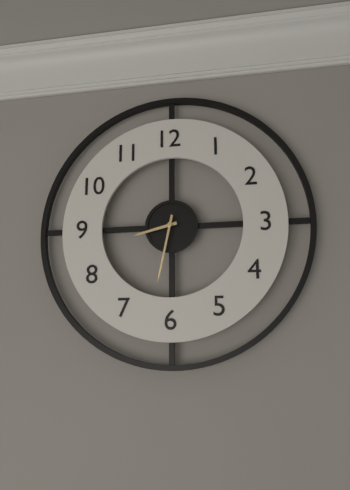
h=8 m=32
